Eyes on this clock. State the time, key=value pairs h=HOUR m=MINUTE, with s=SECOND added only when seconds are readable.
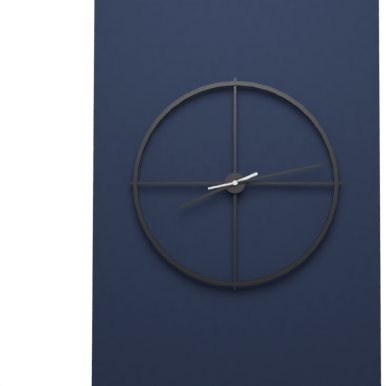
h=8 m=13
